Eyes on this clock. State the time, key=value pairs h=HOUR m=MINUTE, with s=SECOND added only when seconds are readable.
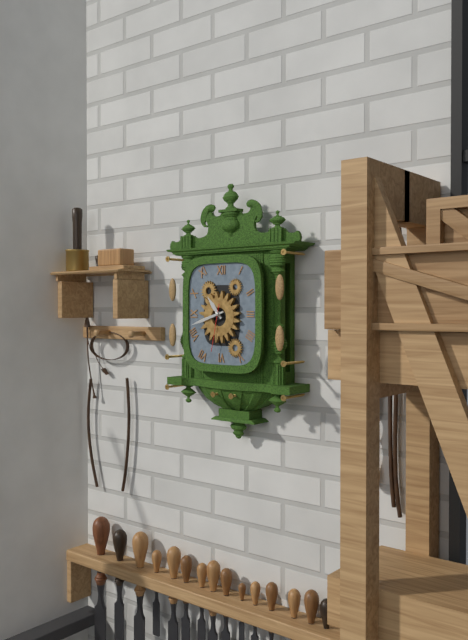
h=10 m=42
